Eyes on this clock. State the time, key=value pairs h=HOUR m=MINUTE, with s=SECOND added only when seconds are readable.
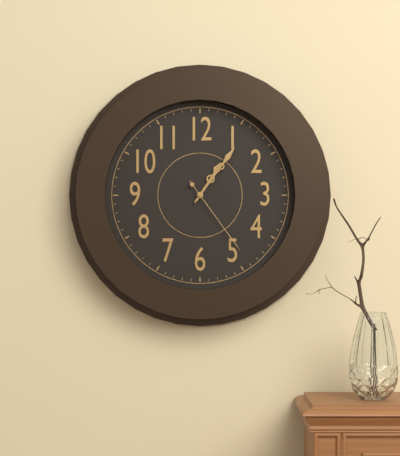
h=1 m=6 s=24
